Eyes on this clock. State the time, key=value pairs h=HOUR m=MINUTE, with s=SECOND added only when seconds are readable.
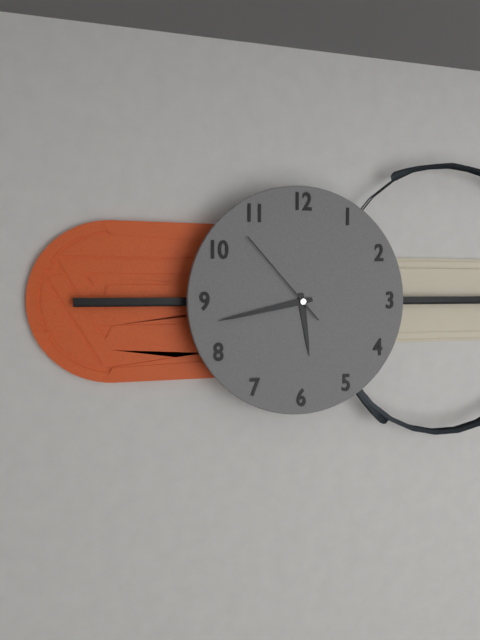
h=5 m=43 s=53
